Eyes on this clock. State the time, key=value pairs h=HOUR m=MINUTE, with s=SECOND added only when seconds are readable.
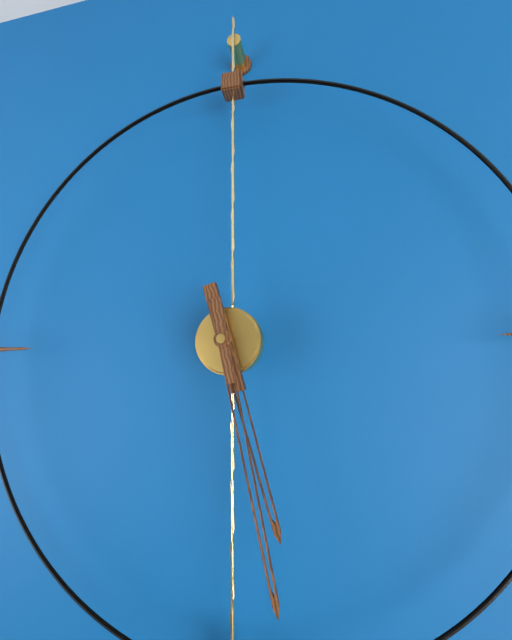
h=5 m=28
